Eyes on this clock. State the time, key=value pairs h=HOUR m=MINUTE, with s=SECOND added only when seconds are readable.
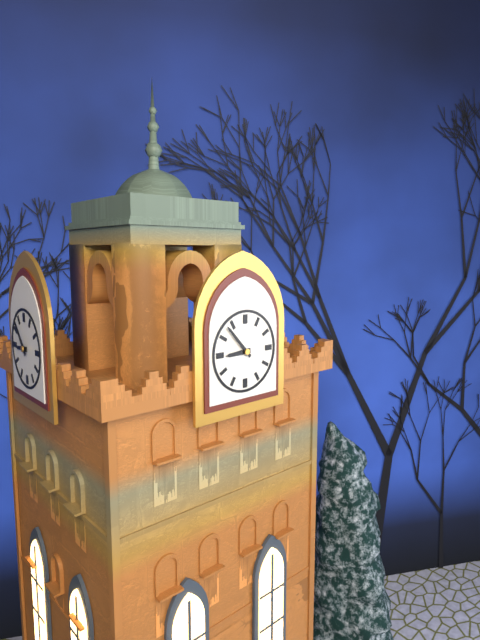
h=8 m=53
